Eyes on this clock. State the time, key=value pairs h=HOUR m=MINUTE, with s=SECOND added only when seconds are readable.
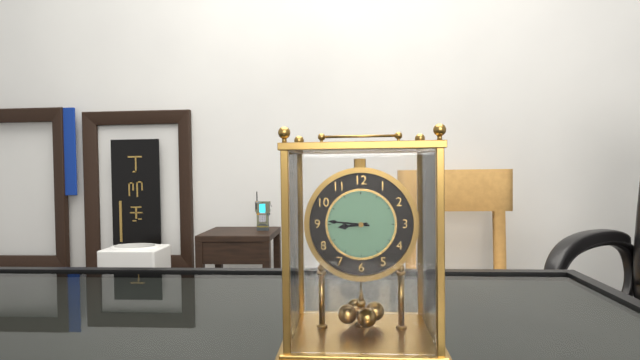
h=8 m=46
